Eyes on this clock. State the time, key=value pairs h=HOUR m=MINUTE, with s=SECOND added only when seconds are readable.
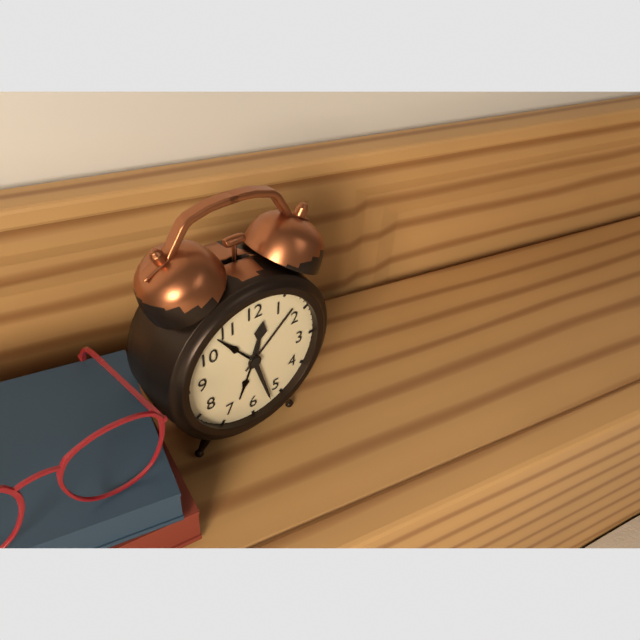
h=12 m=27
